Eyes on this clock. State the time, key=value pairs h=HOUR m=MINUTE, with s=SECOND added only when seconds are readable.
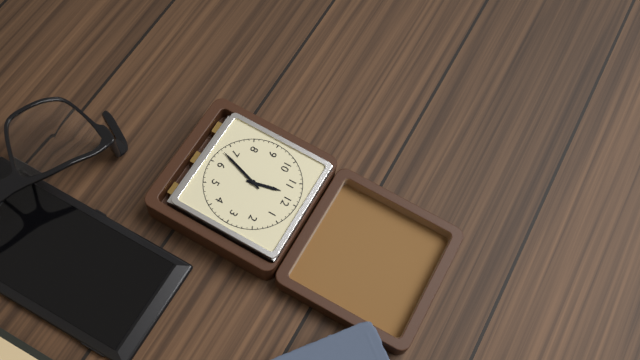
h=11 m=33
